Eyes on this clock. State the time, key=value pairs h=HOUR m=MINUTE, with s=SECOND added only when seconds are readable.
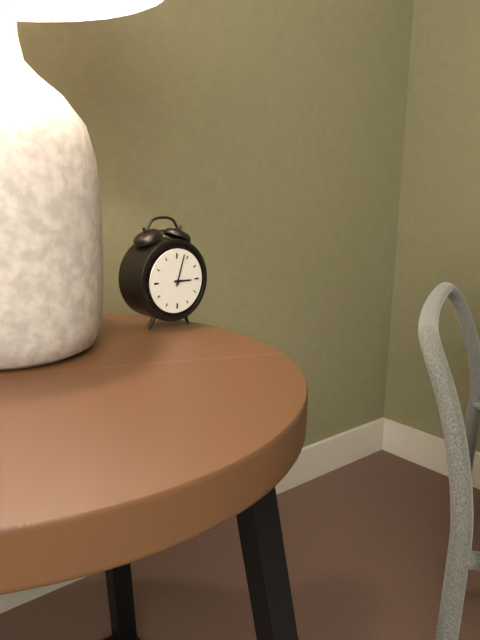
h=3 m=3
